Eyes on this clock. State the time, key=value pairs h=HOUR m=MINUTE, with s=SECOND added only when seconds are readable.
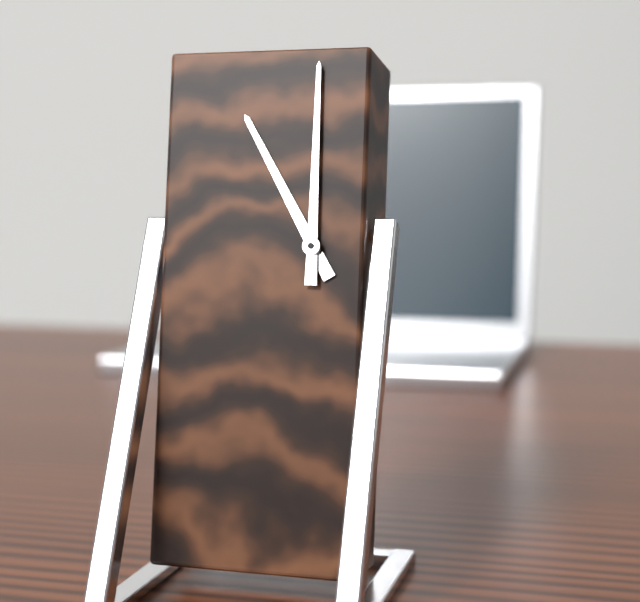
h=11 m=0
